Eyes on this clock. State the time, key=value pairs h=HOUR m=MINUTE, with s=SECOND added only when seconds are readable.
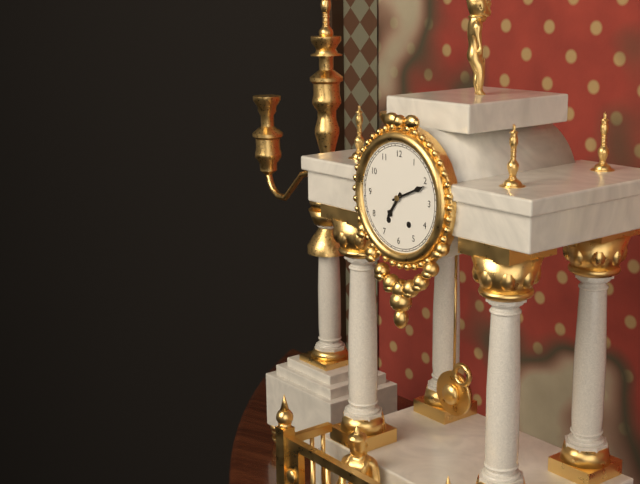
h=7 m=11
